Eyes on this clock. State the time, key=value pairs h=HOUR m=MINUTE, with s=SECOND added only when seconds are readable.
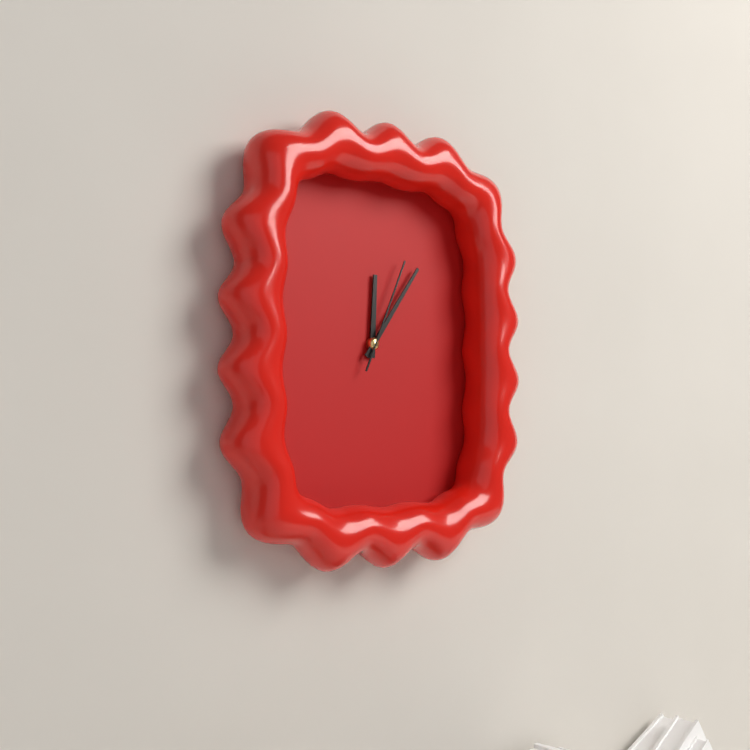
h=12 m=6 s=4
